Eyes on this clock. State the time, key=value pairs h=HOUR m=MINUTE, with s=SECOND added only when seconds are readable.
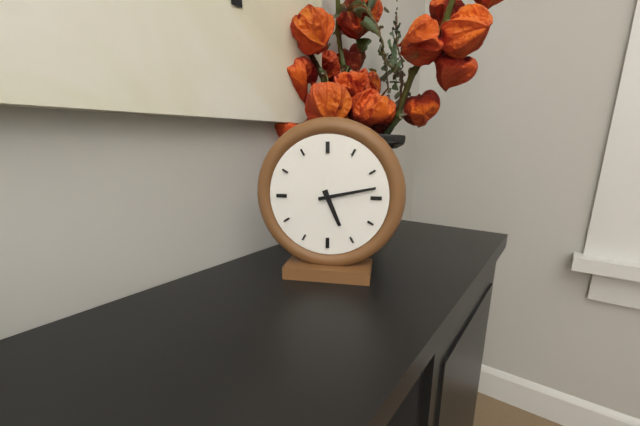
h=5 m=13
